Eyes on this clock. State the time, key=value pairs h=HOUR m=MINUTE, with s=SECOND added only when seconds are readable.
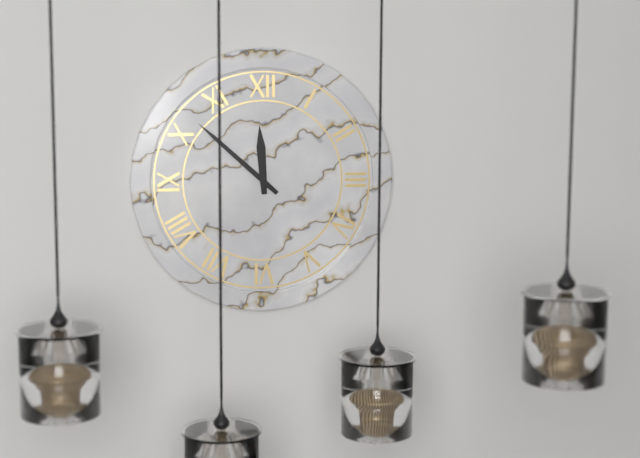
h=11 m=52
